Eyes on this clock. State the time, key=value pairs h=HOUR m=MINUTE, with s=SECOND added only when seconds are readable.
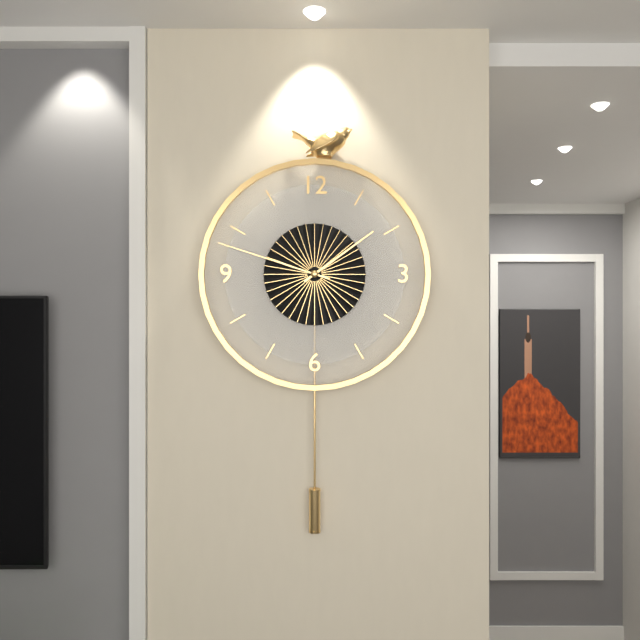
h=1 m=48
